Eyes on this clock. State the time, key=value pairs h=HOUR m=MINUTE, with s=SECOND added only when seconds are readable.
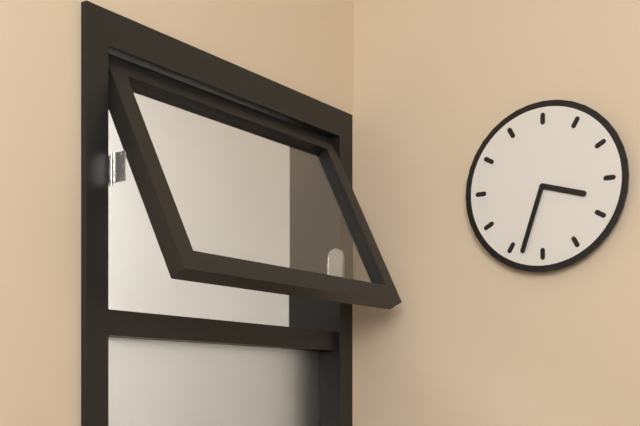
h=3 m=33
